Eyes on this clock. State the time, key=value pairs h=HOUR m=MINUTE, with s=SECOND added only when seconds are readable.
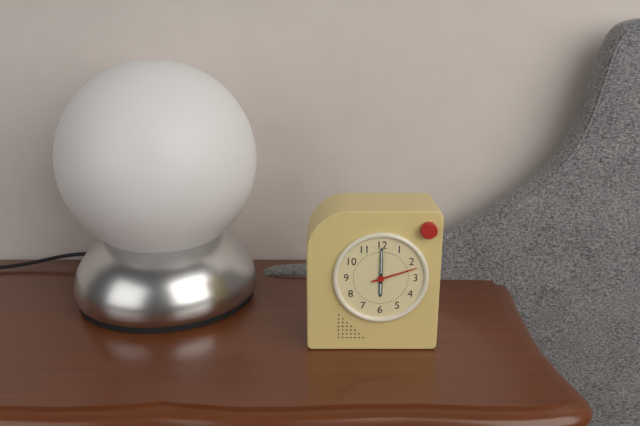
h=6 m=0
